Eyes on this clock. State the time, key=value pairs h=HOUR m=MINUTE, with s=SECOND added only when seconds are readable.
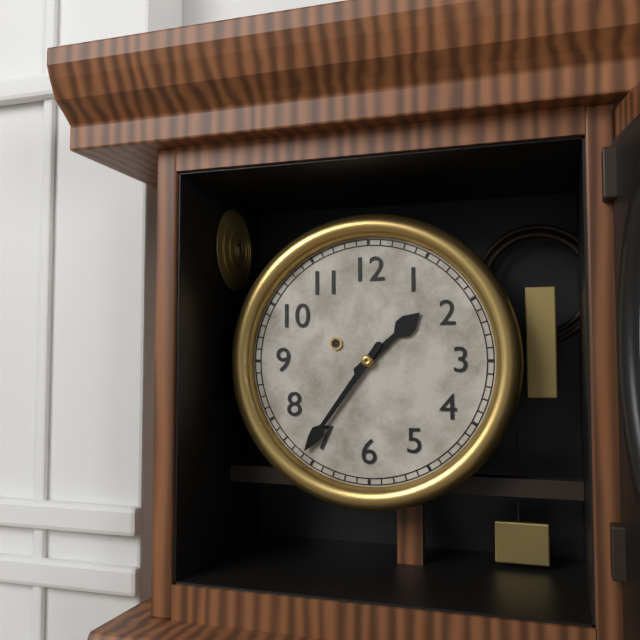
h=1 m=36
